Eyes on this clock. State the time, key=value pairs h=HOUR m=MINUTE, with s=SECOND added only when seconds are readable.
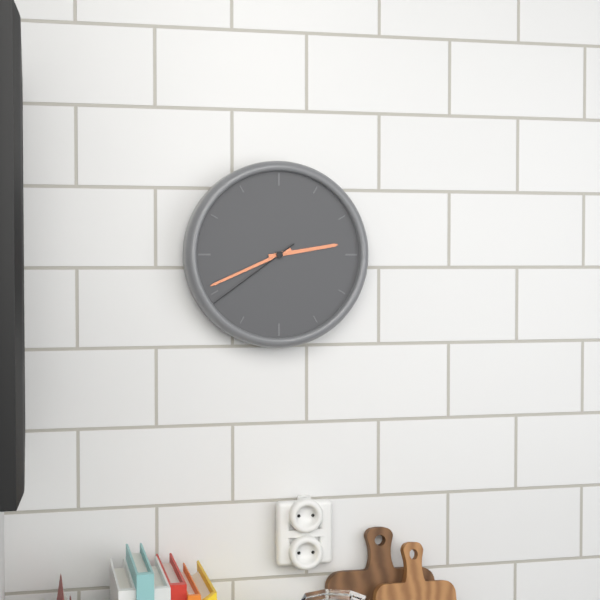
h=2 m=41 s=39
